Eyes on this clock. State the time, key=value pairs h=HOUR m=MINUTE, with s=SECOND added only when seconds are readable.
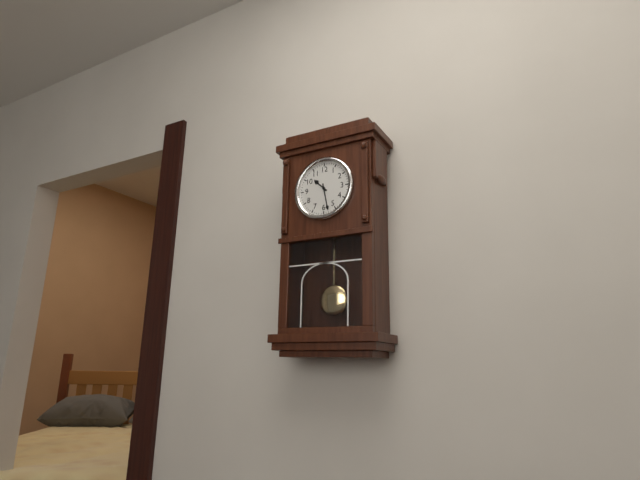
h=10 m=28
